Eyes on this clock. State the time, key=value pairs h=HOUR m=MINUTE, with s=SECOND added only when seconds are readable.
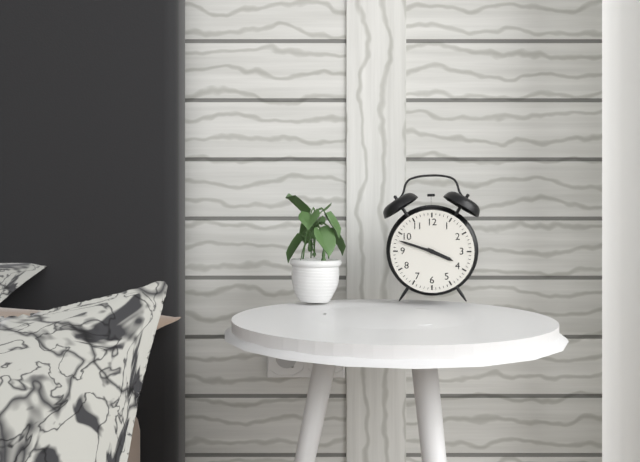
h=3 m=48
